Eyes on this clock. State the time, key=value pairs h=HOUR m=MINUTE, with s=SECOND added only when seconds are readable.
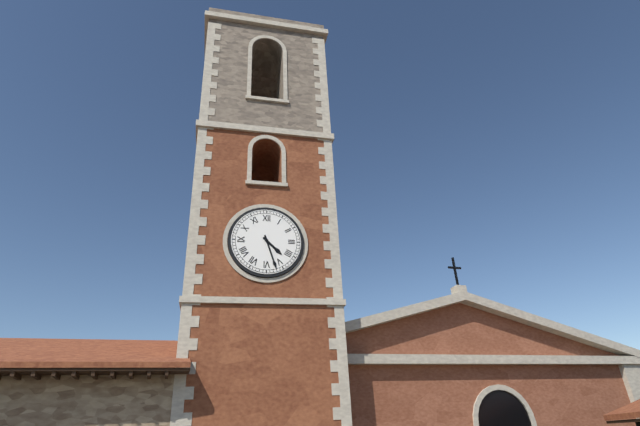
h=4 m=27
